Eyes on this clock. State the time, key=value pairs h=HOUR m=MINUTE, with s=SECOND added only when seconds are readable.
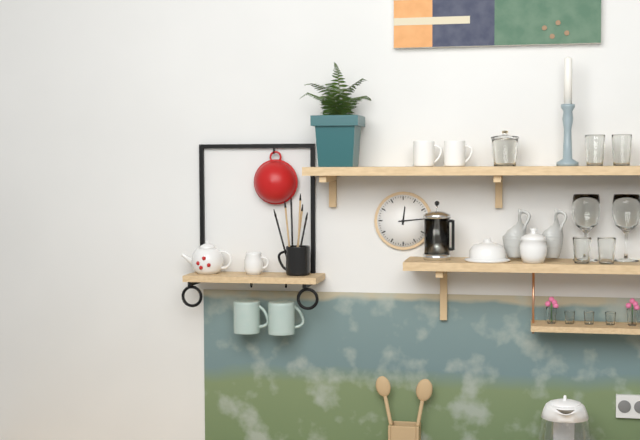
h=12 m=14
